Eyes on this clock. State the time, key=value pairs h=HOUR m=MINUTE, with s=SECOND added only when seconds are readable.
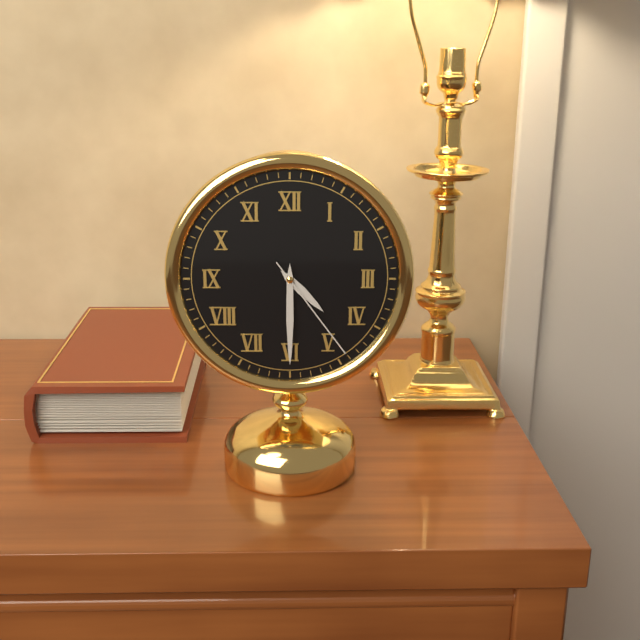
h=4 m=30 s=24
